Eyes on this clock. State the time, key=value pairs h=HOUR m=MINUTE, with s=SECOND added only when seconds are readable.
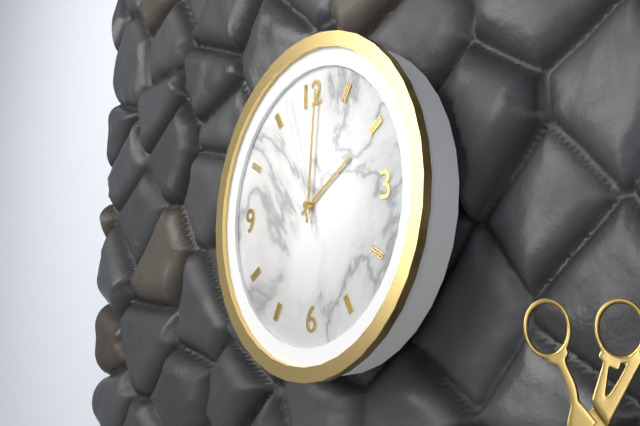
h=2 m=1 s=57
